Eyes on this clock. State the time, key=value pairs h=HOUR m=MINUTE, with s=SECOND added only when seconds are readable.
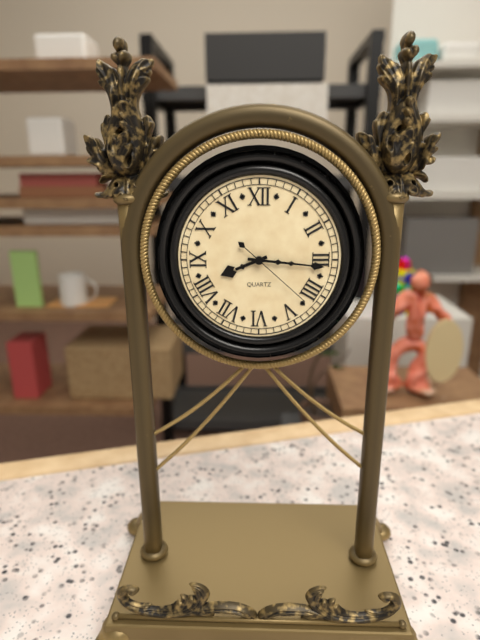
h=8 m=16 s=22
